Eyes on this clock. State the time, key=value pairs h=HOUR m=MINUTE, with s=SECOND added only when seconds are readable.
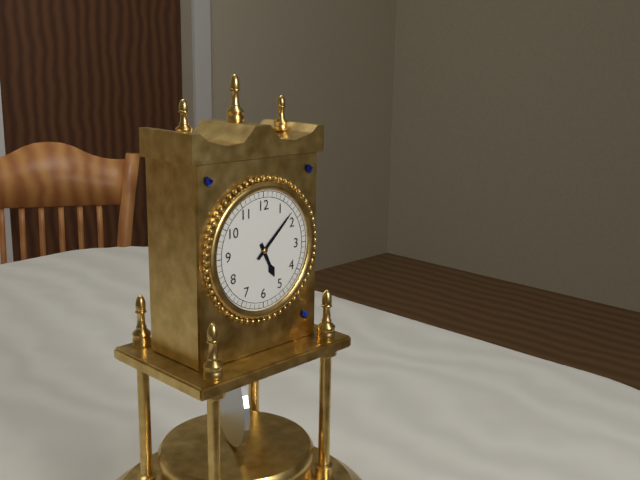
h=5 m=8
